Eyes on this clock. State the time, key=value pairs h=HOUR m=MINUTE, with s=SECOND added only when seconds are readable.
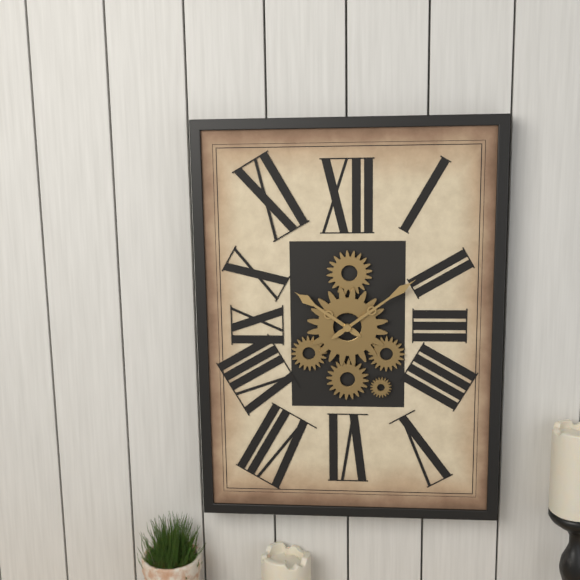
h=10 m=9
